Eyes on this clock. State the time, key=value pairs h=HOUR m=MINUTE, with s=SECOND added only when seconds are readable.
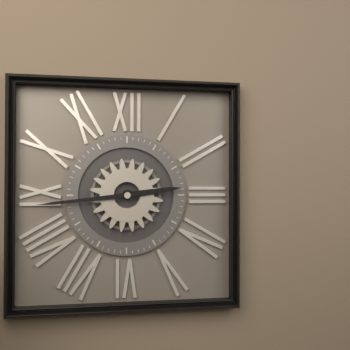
h=2 m=44
